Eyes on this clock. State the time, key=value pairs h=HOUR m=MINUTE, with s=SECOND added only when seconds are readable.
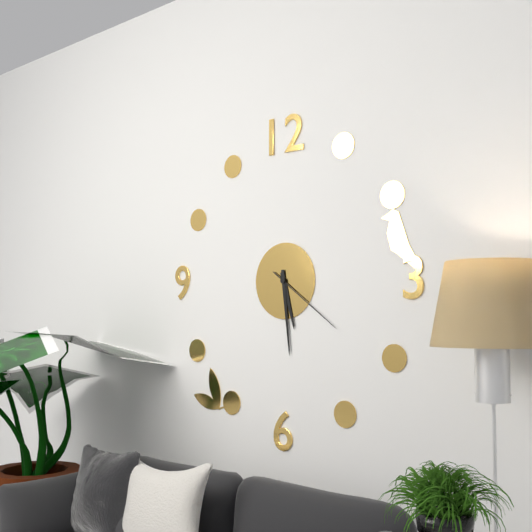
h=5 m=29 s=21
